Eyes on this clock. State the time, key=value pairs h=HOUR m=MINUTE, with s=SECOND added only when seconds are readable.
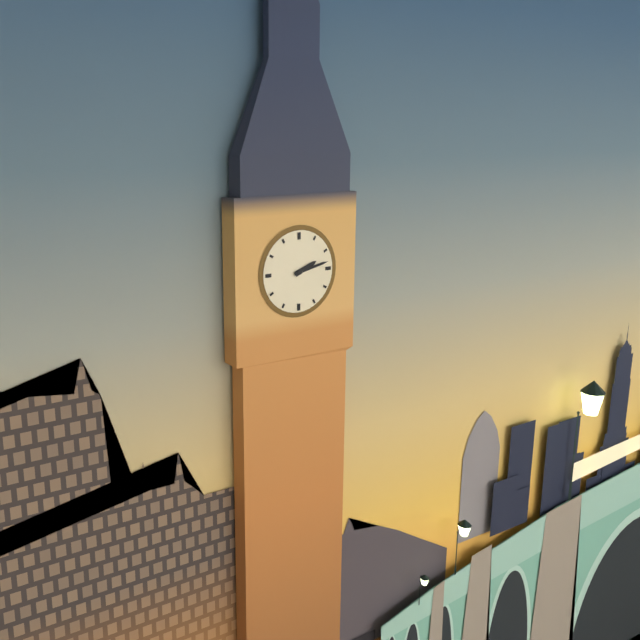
h=2 m=13
